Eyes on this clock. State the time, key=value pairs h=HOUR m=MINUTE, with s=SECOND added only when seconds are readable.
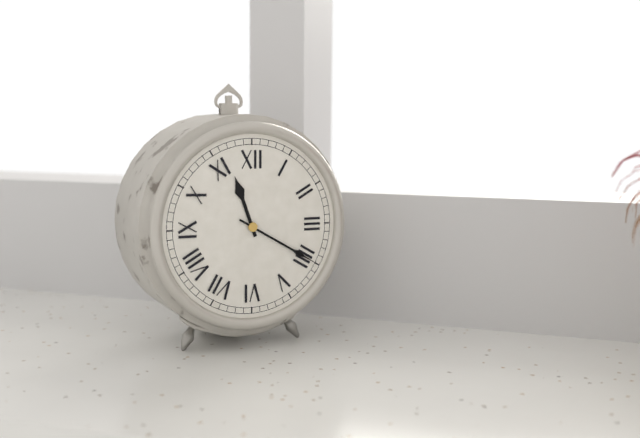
h=11 m=20
